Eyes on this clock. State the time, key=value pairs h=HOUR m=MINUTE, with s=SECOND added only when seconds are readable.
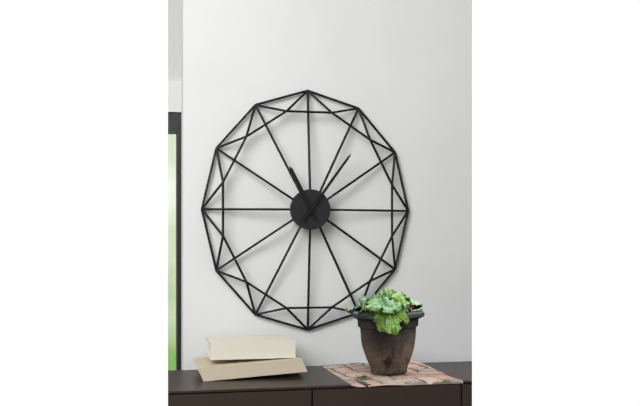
h=11 m=6
